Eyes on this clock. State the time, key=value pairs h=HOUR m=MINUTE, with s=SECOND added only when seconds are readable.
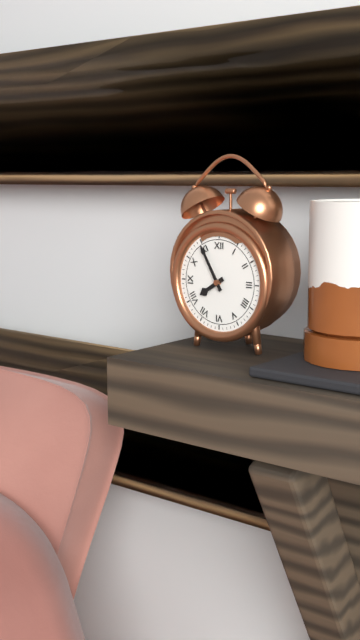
h=7 m=55
